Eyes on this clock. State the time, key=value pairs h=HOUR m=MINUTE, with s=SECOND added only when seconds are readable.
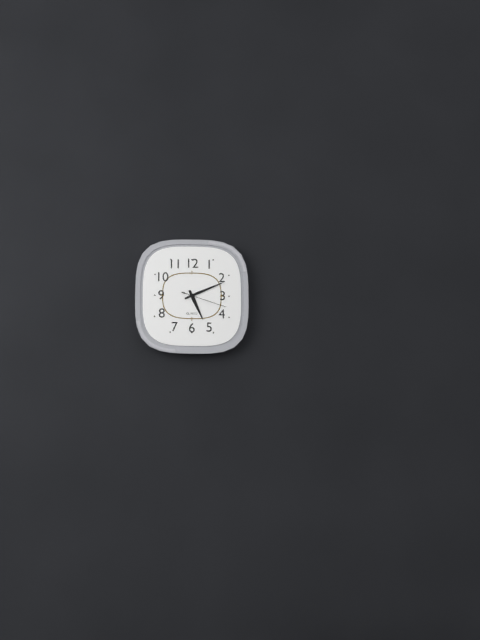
h=5 m=11
